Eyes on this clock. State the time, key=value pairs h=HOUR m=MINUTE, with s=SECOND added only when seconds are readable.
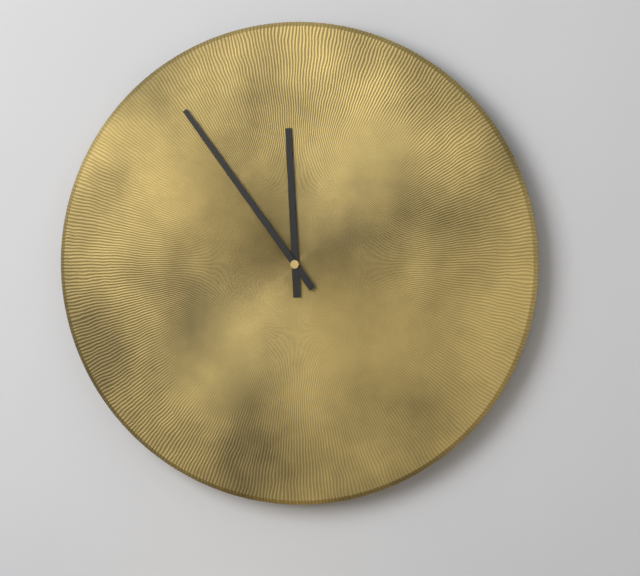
h=11 m=54
